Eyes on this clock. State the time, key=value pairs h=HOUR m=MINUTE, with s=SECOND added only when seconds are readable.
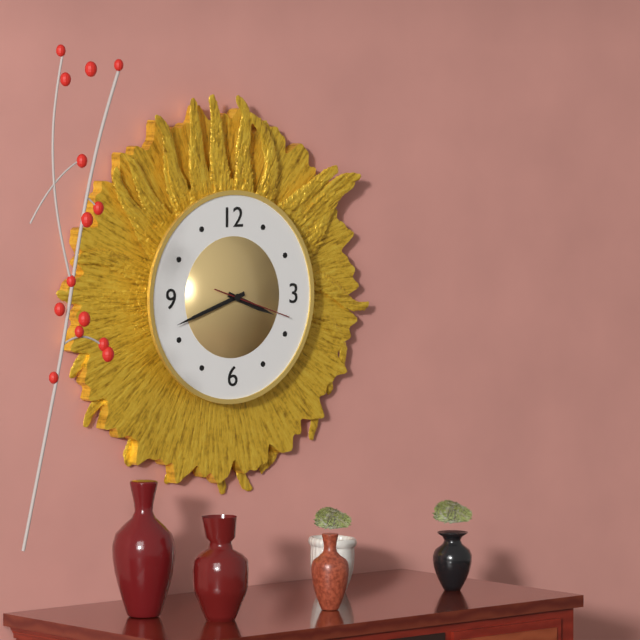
h=3 m=42 s=18
